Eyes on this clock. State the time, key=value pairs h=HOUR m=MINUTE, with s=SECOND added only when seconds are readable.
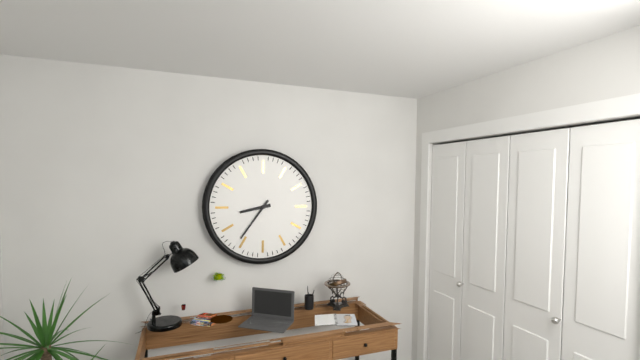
h=8 m=36
